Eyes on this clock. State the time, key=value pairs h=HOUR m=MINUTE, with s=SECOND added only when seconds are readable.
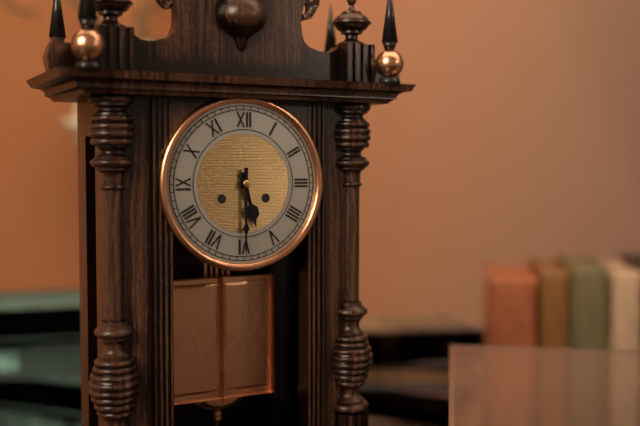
h=5 m=30
